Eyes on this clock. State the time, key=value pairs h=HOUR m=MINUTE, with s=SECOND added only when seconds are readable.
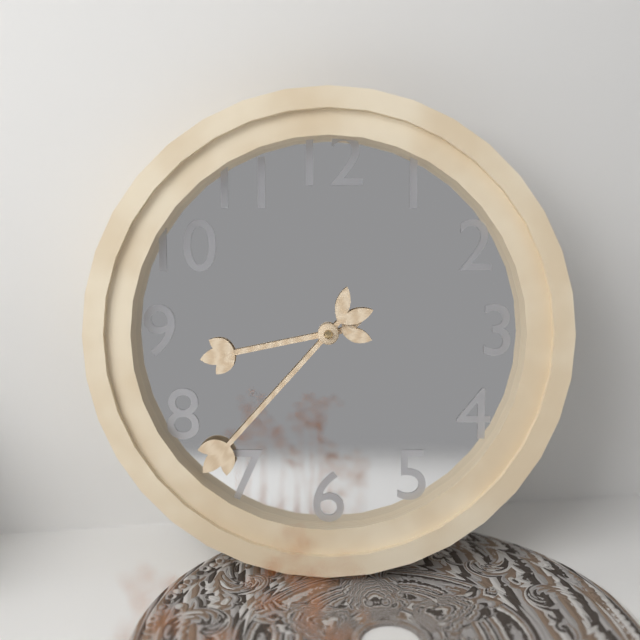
h=8 m=37
